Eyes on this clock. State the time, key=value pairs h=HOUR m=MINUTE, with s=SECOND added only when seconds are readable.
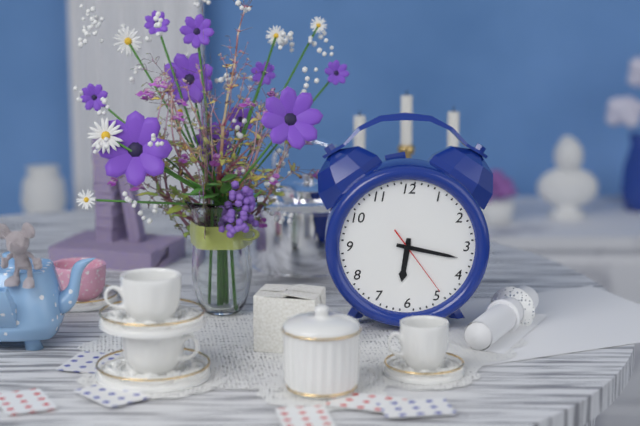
h=6 m=17 s=24
